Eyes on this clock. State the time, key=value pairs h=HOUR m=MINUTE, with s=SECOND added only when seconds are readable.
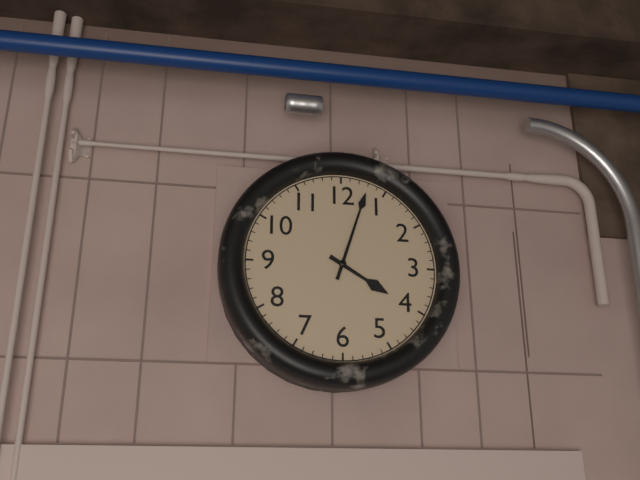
h=4 m=3
